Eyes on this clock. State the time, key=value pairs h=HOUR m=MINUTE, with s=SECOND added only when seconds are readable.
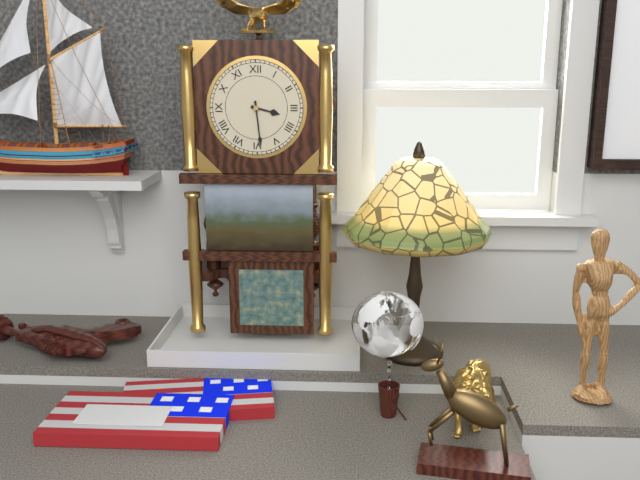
h=3 m=29
